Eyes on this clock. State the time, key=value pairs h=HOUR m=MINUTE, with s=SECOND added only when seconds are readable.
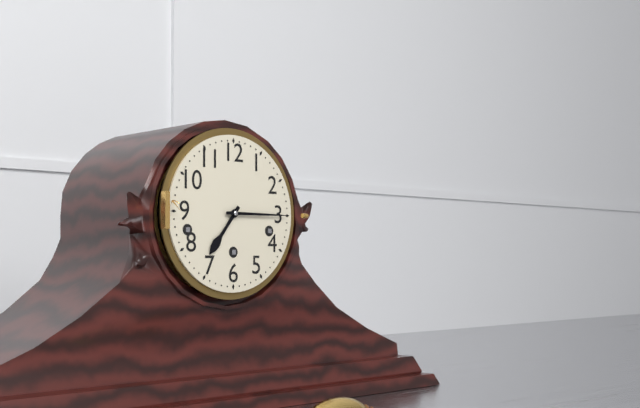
h=7 m=15
